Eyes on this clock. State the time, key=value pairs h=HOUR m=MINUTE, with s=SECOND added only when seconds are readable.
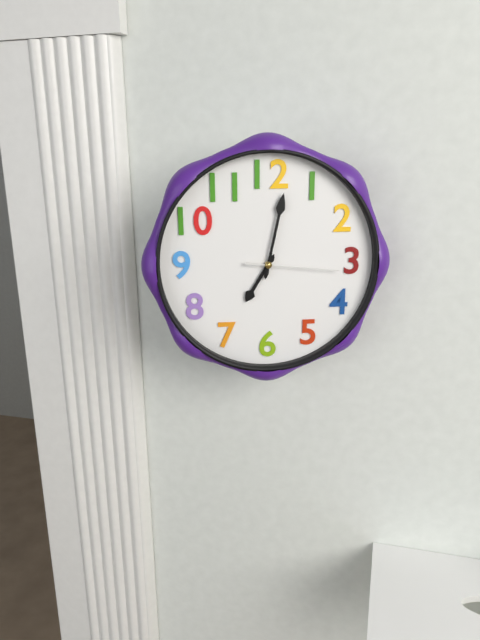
h=7 m=2 s=16
